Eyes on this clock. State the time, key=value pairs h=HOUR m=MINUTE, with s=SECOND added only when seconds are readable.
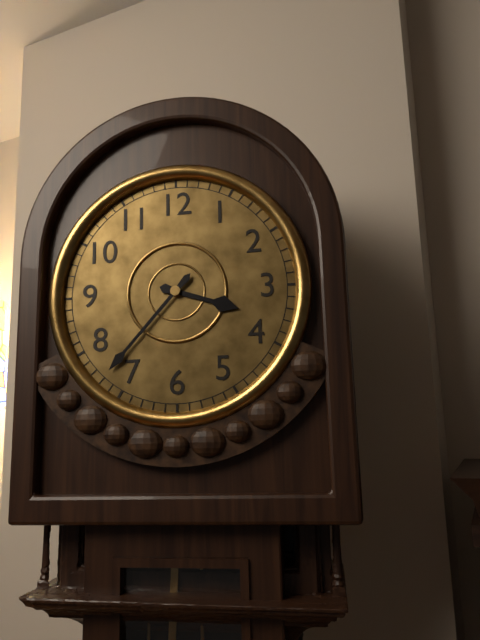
h=3 m=37
